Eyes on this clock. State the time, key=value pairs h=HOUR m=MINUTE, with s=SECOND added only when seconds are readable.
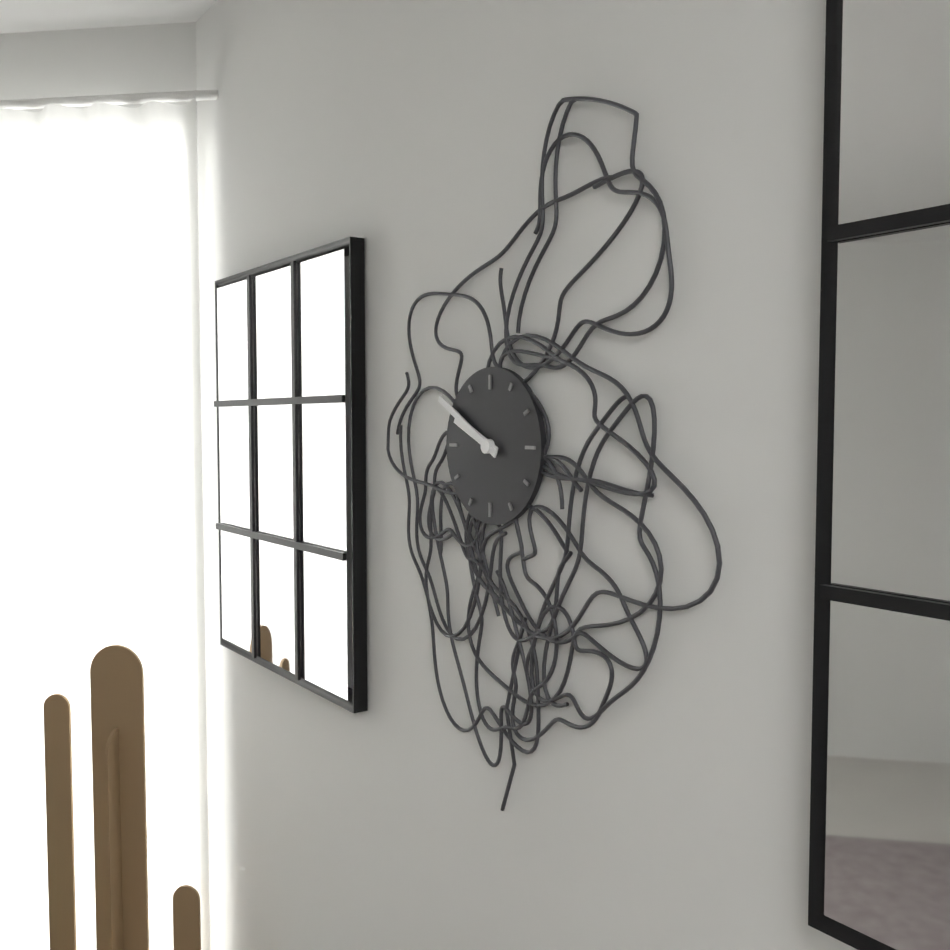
h=9 m=50
